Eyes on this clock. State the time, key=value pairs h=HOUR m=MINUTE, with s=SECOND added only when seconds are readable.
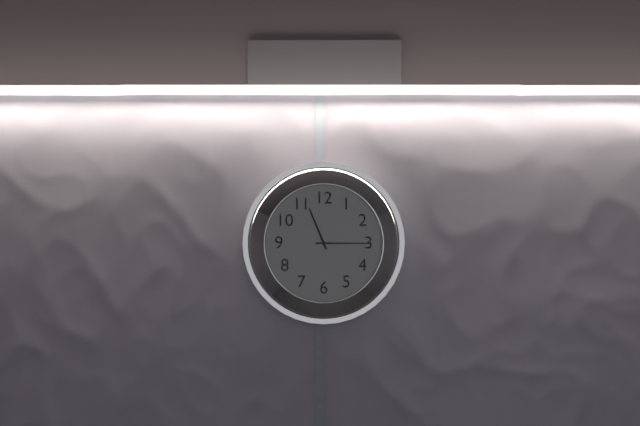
h=11 m=15
